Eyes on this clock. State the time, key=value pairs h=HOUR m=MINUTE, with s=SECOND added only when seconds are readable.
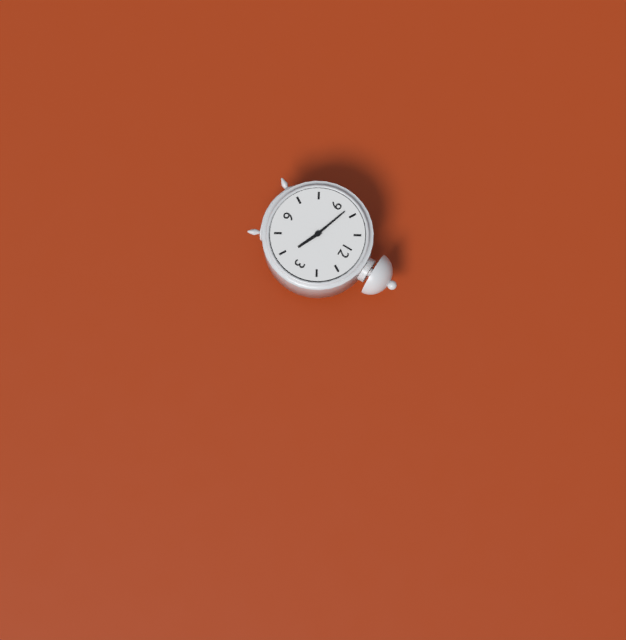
h=3 m=48
